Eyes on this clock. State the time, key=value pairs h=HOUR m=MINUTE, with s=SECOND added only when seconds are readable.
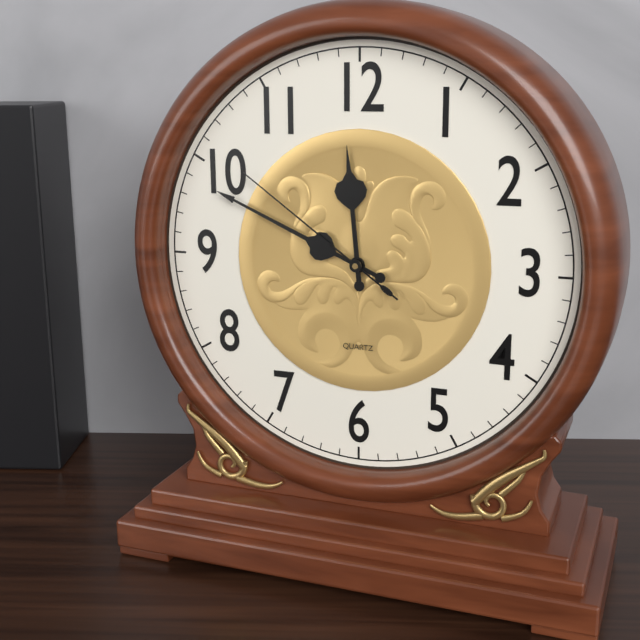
h=11 m=49 s=51
